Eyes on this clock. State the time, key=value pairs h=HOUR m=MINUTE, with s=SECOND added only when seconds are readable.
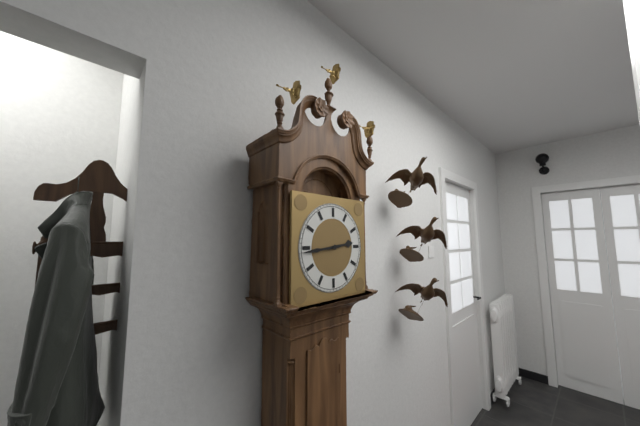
h=2 m=44
